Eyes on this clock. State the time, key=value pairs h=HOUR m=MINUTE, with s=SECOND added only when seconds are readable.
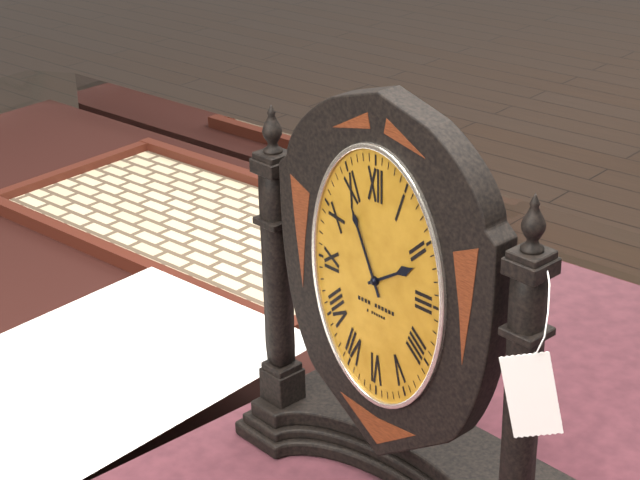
h=1 m=56
